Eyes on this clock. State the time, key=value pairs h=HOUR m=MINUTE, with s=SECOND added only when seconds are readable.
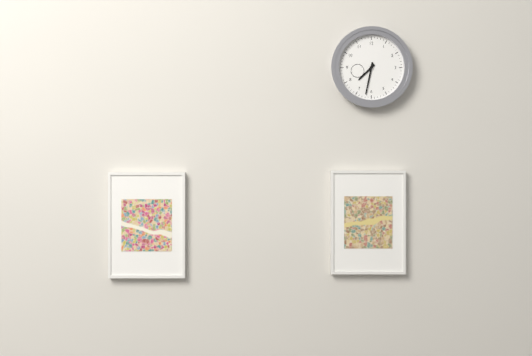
h=7 m=32
